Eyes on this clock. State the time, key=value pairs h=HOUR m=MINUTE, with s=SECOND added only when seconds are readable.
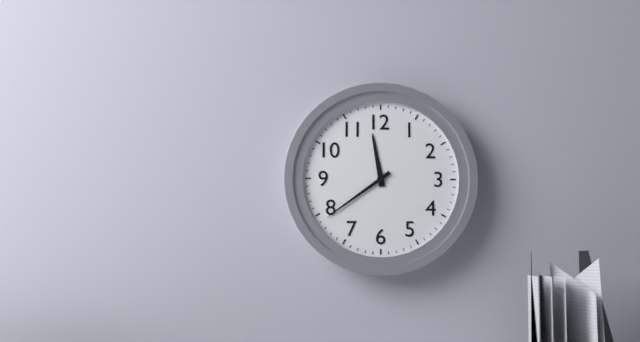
h=11 m=39
